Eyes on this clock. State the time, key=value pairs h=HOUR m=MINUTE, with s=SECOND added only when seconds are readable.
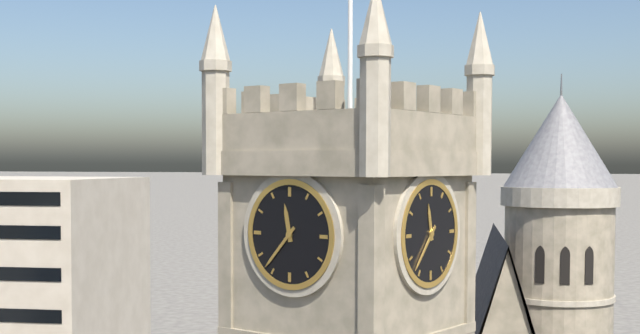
h=11 m=37
